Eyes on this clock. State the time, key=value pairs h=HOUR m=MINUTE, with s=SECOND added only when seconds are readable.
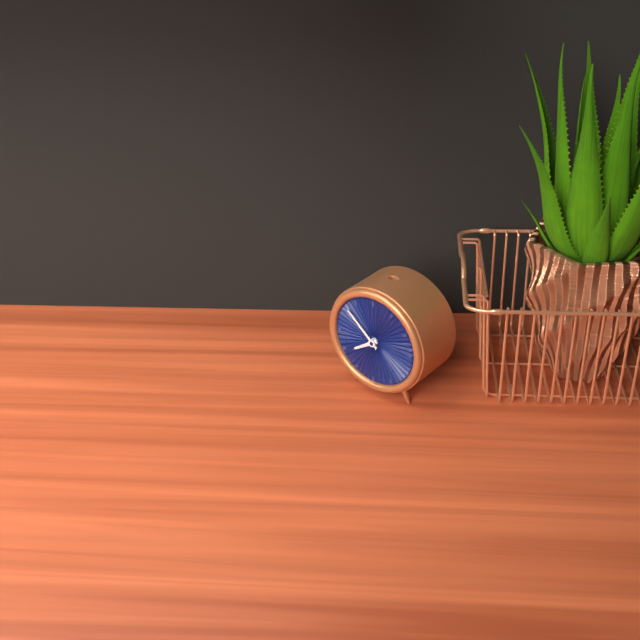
h=7 m=52
